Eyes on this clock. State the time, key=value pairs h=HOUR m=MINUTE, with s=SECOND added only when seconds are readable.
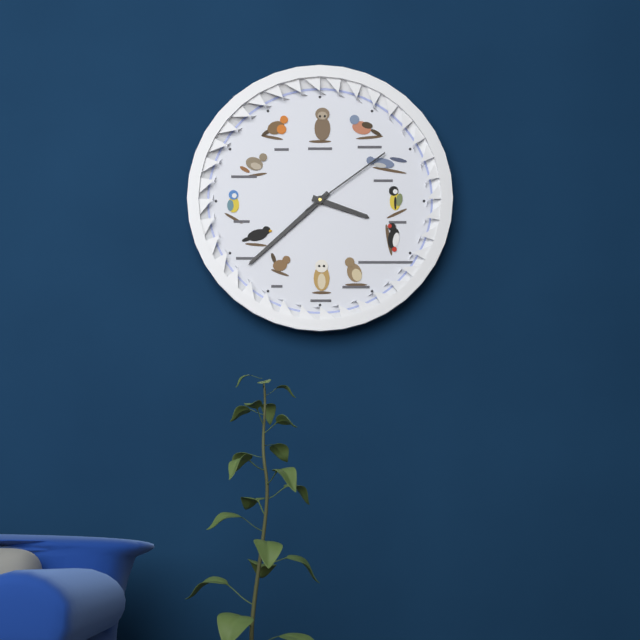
h=3 m=38 s=9
